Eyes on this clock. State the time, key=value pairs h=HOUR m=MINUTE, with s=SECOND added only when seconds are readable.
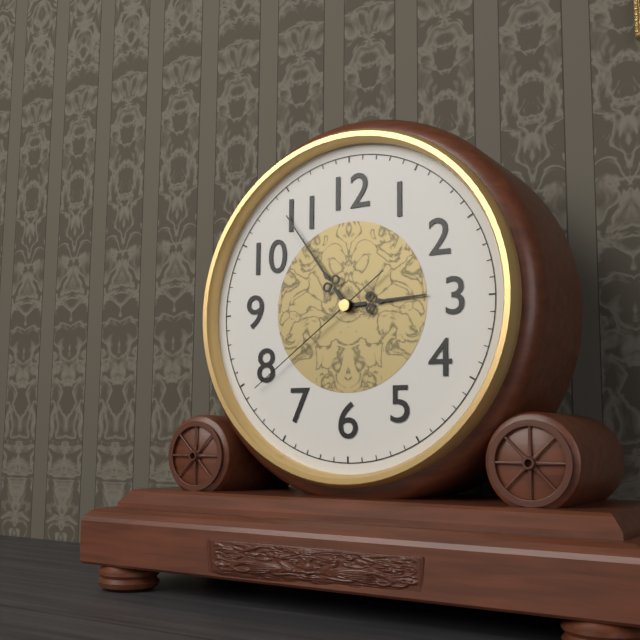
h=2 m=54 s=39
